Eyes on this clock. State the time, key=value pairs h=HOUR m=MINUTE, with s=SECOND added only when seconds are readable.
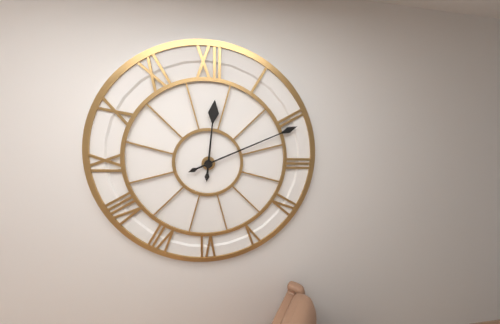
h=12 m=11
